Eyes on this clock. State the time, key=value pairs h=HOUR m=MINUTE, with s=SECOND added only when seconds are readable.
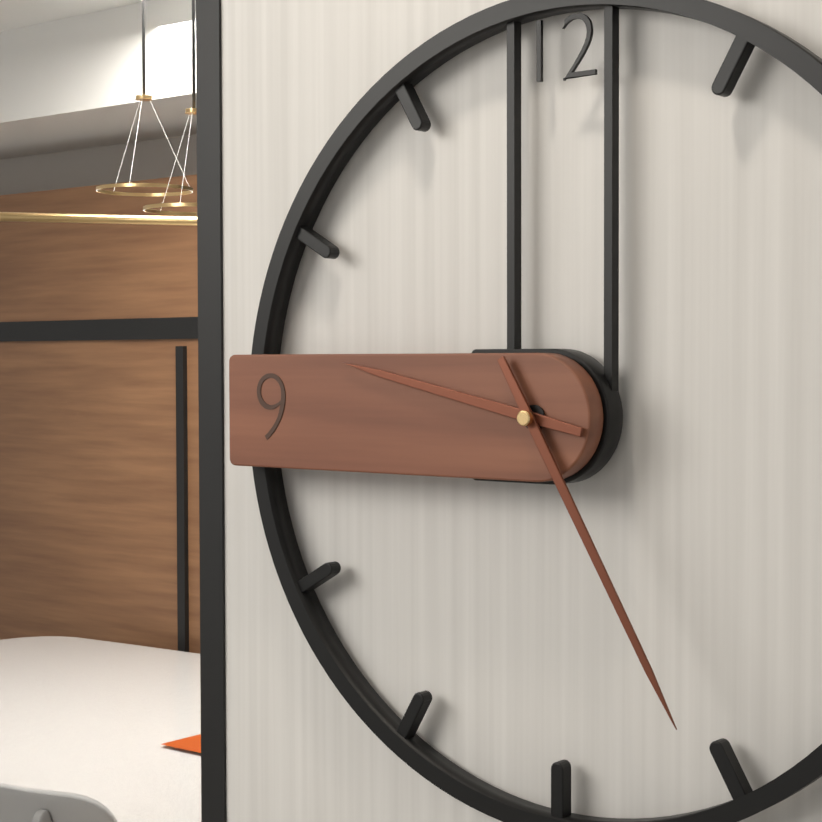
h=9 m=25
